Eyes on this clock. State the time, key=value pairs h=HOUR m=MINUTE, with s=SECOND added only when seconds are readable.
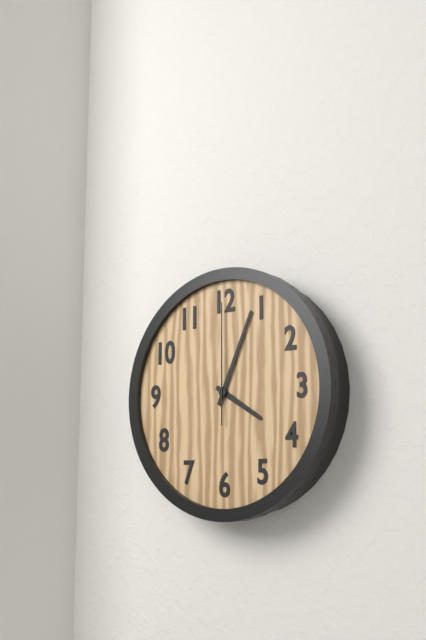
h=4 m=4 s=0
